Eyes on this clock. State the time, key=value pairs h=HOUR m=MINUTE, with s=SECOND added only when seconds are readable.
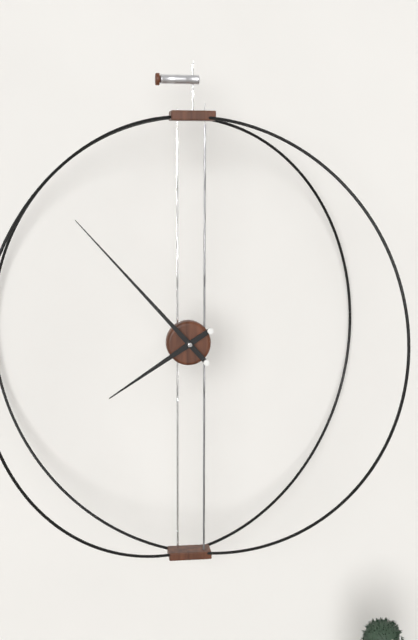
h=7 m=53
